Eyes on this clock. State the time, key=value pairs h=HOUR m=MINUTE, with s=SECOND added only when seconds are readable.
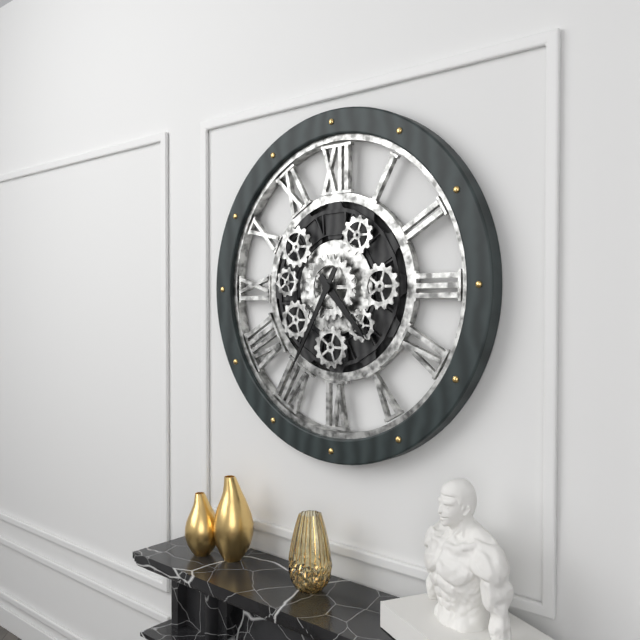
h=4 m=35
